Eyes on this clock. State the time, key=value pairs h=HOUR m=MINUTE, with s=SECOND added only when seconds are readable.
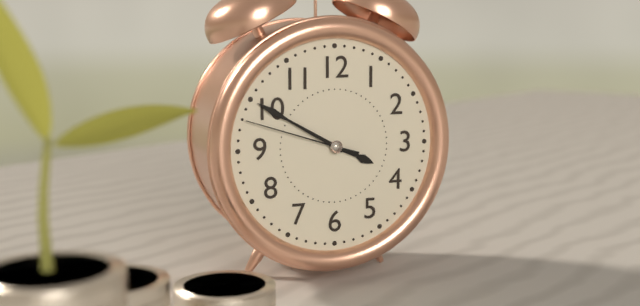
h=3 m=50 s=48
